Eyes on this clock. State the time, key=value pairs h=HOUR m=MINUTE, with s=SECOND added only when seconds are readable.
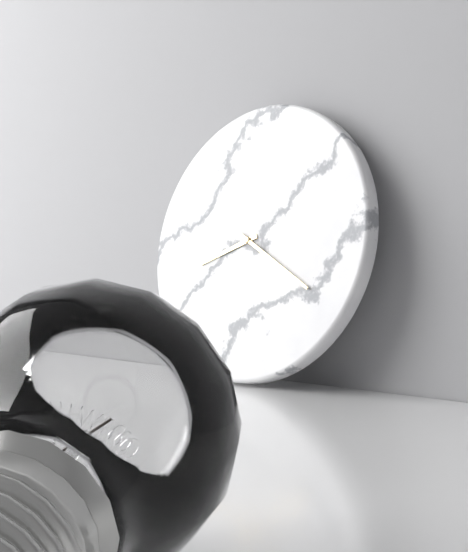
h=8 m=20
